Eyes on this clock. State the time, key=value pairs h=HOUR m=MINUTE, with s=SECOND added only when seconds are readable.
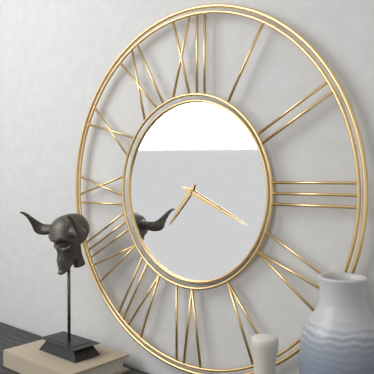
h=7 m=19
